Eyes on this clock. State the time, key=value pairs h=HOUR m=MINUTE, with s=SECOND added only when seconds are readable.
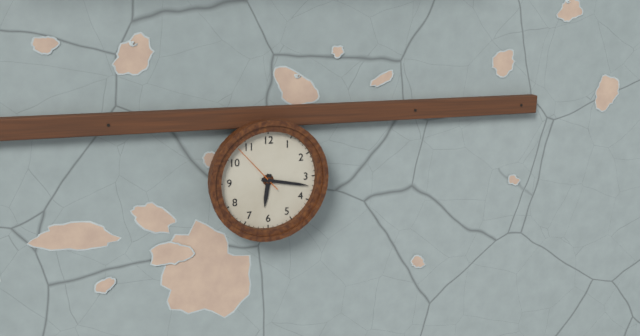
h=6 m=17 s=53
